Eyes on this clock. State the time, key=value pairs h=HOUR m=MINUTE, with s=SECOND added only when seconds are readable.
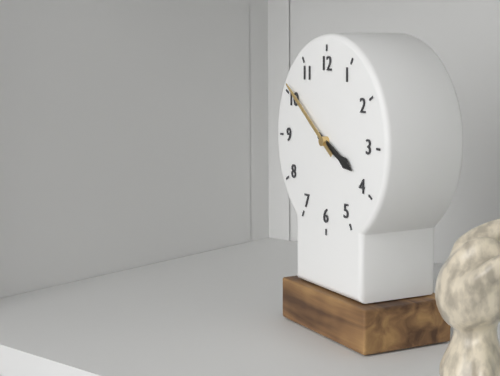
h=3 m=51
